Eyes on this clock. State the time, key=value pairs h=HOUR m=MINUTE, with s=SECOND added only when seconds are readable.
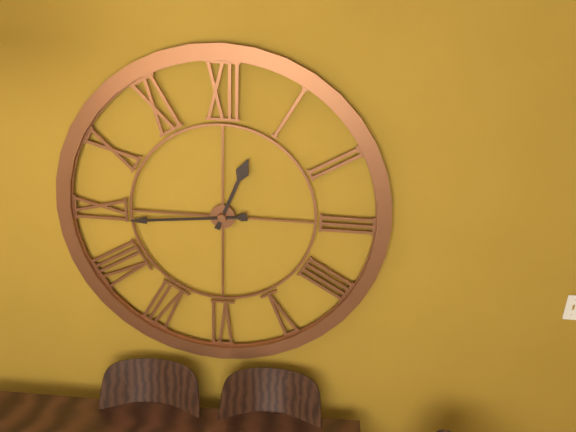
h=12 m=44
